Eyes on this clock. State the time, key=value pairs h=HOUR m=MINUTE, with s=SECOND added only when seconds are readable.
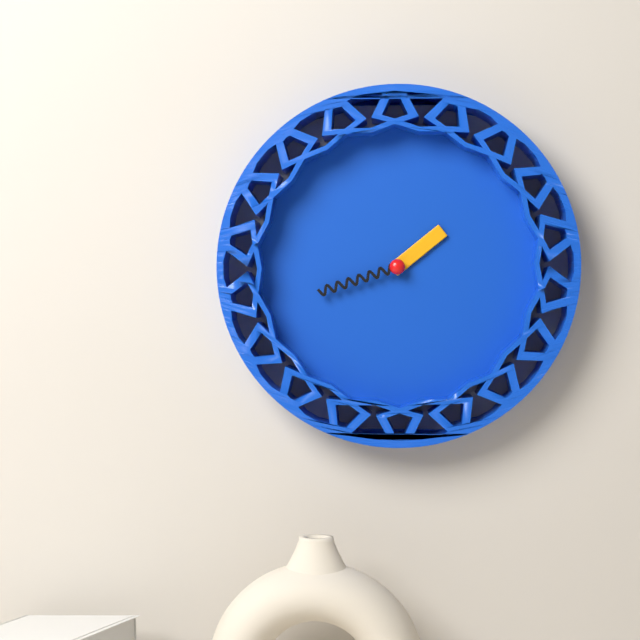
h=1 m=42
